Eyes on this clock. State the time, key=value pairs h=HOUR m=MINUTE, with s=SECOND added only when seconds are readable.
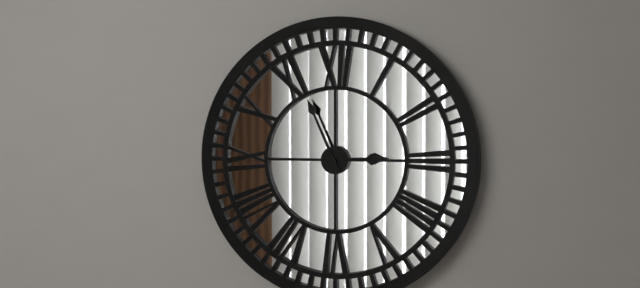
h=2 m=56
